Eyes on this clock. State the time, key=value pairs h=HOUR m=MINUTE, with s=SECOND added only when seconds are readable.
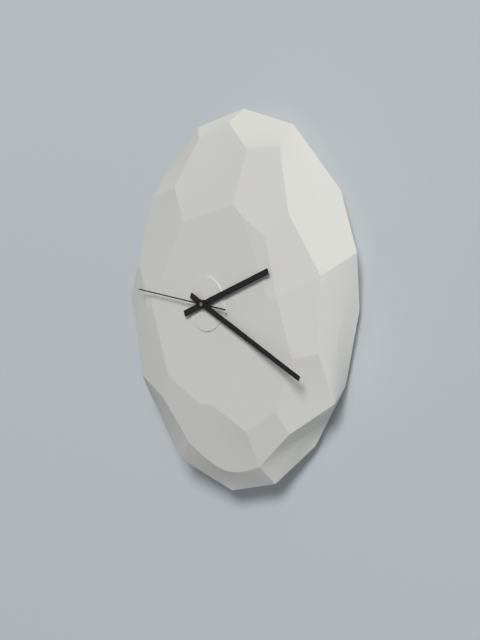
h=2 m=19 s=46
